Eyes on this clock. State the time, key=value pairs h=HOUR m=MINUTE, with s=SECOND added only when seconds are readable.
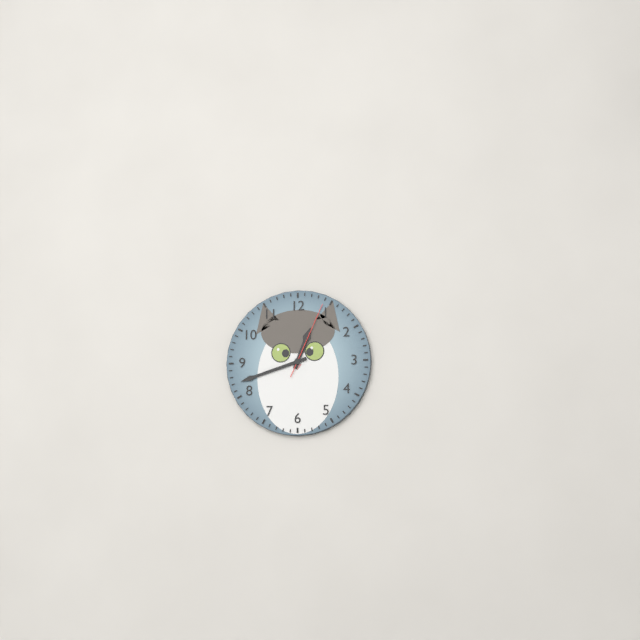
h=12 m=42 s=4
